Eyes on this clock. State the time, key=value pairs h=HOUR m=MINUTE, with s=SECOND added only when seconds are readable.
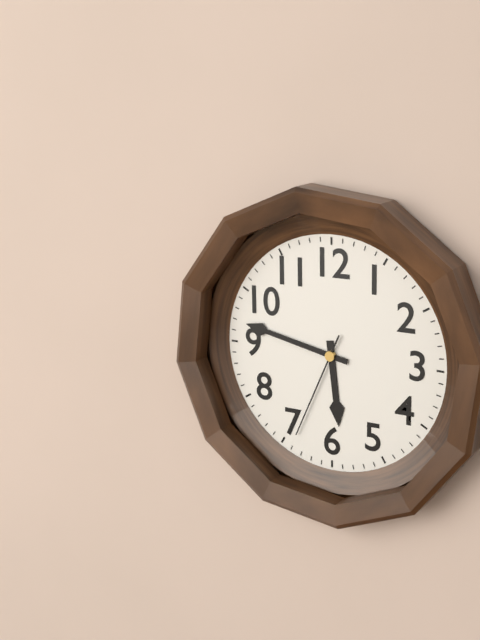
h=5 m=47 s=34
